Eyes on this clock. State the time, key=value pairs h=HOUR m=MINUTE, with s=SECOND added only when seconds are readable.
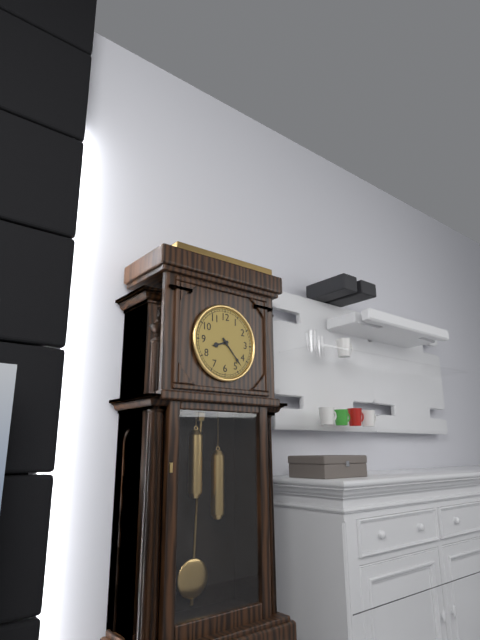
h=8 m=23
